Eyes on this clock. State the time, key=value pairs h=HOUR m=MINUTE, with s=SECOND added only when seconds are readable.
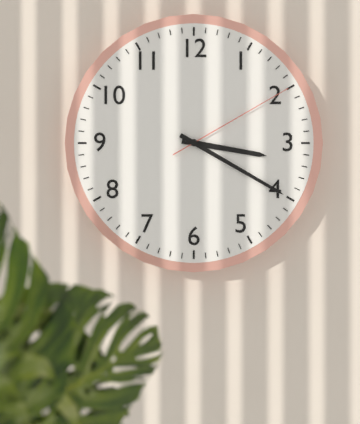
h=3 m=20 s=10
